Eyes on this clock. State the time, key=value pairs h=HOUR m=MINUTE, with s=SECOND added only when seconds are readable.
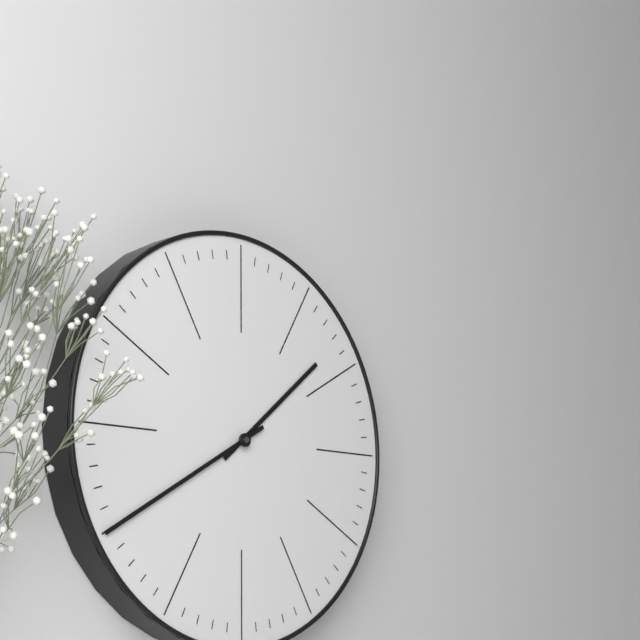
h=1 m=40
